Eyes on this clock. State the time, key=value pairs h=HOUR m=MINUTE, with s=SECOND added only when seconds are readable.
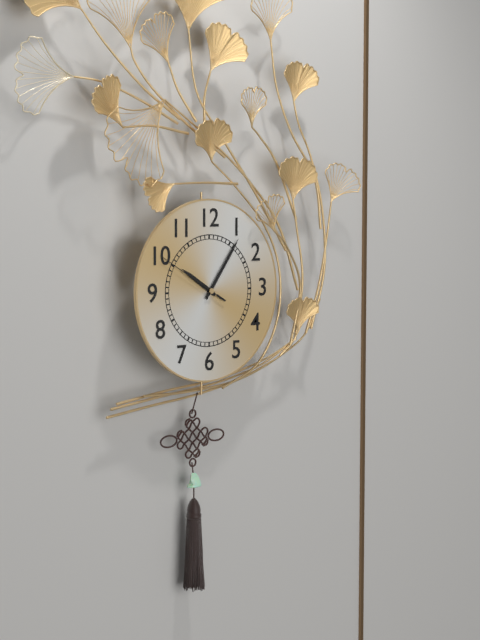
h=10 m=6 s=50
